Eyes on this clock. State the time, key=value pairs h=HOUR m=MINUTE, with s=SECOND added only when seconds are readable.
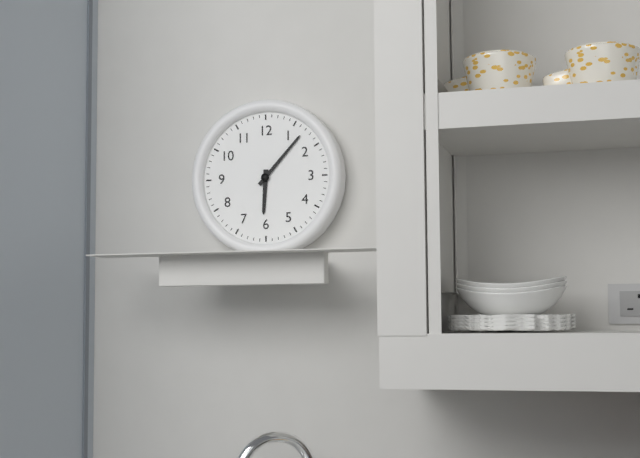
h=6 m=7
